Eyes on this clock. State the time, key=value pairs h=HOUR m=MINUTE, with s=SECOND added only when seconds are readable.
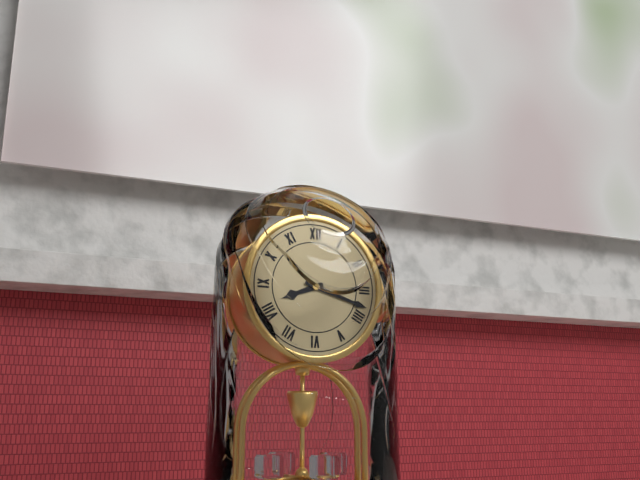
h=8 m=18
